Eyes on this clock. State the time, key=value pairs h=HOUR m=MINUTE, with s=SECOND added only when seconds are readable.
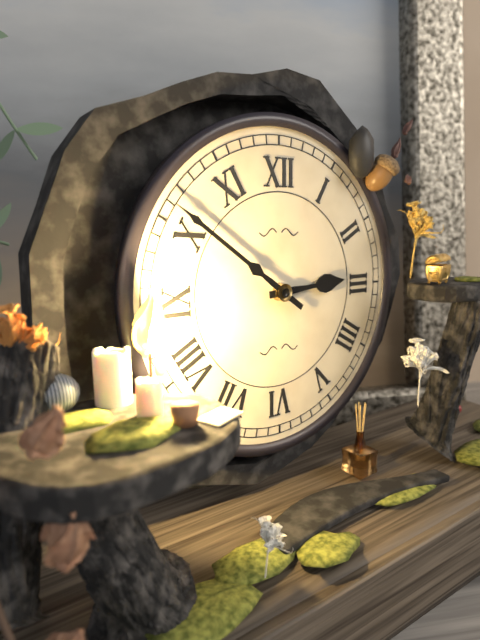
h=2 m=51
